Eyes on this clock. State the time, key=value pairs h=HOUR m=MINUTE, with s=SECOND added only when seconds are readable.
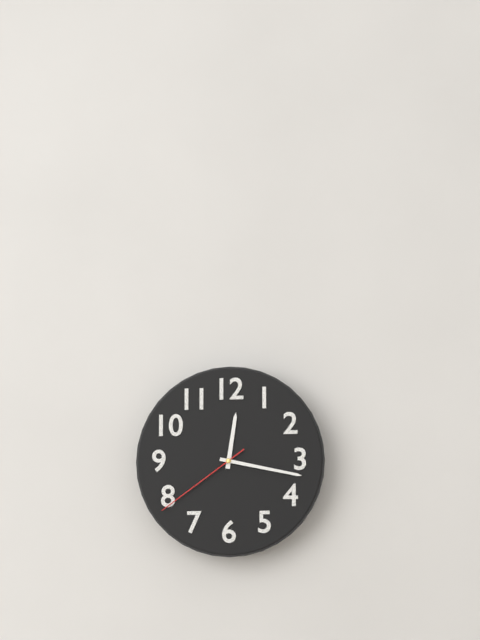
h=12 m=17 s=39
